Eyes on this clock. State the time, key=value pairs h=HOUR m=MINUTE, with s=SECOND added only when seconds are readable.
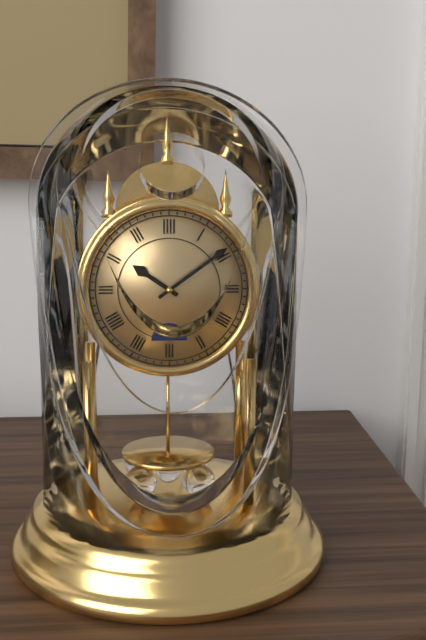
h=10 m=9
